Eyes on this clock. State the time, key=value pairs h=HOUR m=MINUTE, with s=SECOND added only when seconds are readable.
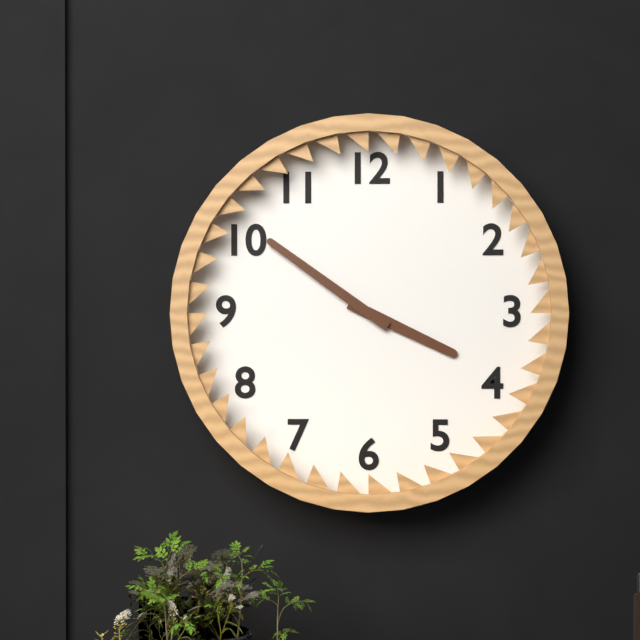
h=3 m=51
